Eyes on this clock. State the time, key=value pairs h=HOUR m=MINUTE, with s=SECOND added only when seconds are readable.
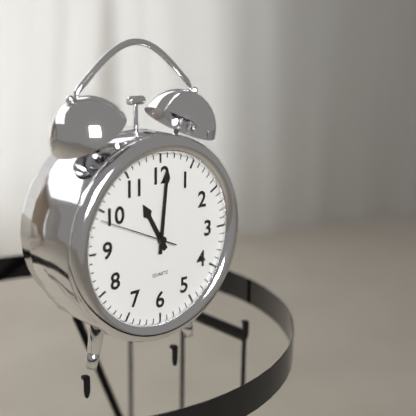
h=11 m=1 s=49
